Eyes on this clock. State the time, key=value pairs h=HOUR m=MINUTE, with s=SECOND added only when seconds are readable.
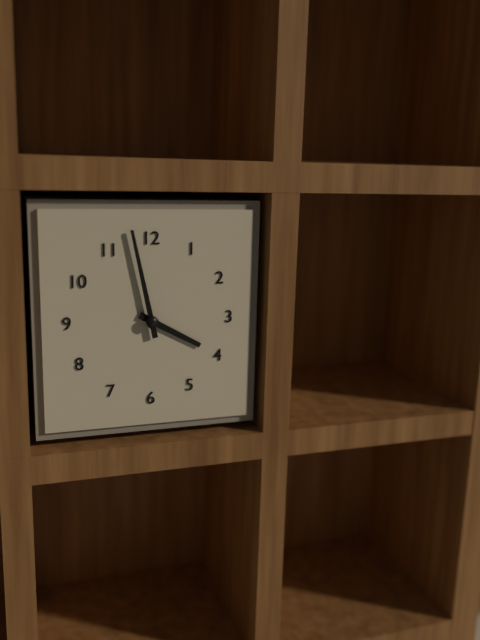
h=3 m=58
